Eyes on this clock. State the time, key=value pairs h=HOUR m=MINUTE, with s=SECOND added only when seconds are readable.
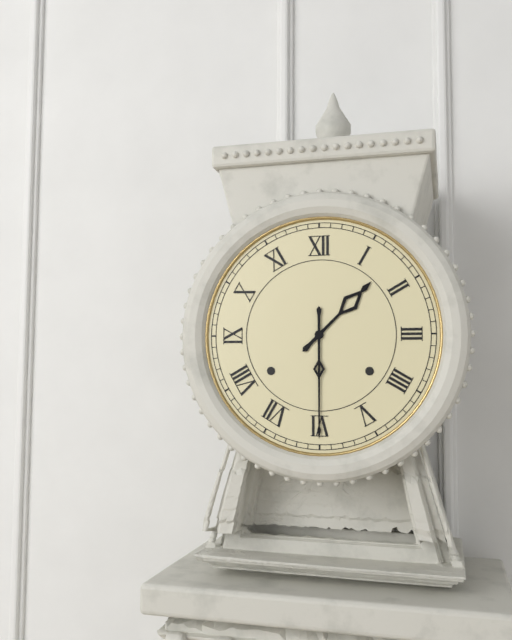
h=1 m=30
